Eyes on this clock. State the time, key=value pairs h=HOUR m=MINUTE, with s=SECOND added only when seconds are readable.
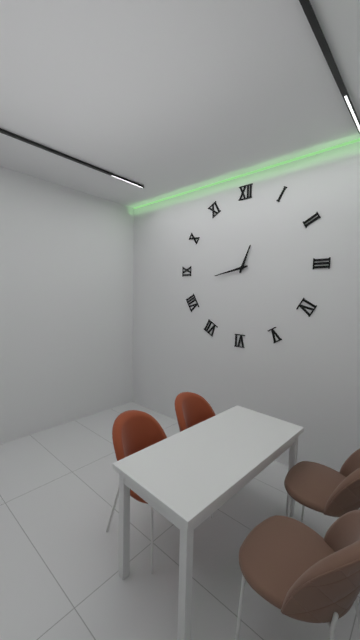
h=12 m=43
